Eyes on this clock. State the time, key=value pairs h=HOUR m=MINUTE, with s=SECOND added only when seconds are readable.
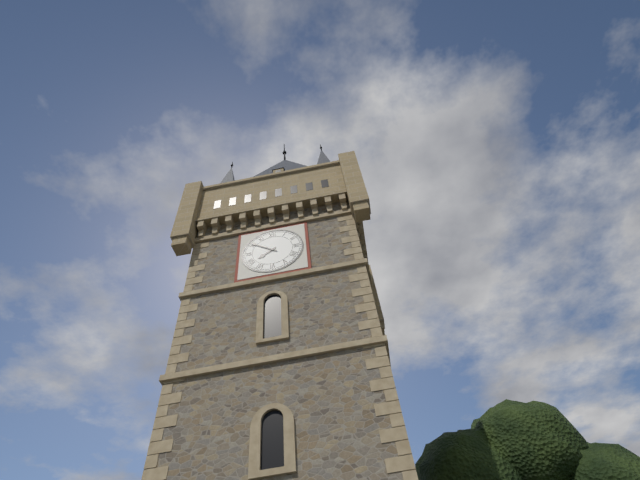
h=7 m=51
